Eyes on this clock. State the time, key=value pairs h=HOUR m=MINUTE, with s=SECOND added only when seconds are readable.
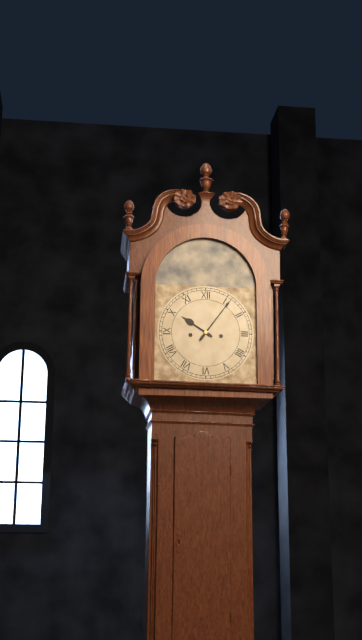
h=10 m=6
